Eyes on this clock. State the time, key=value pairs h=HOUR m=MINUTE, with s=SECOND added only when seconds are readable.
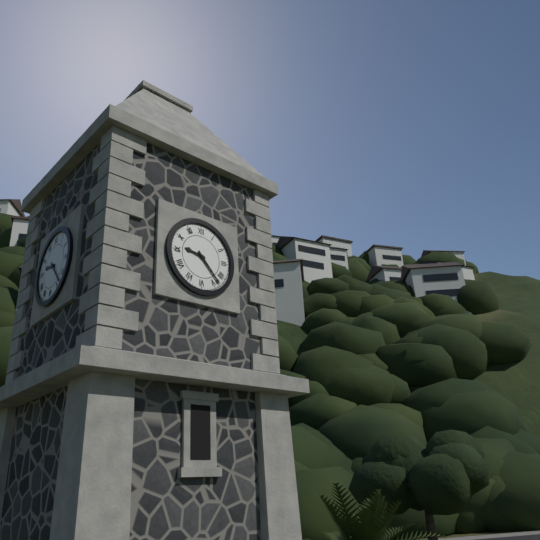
h=9 m=23
